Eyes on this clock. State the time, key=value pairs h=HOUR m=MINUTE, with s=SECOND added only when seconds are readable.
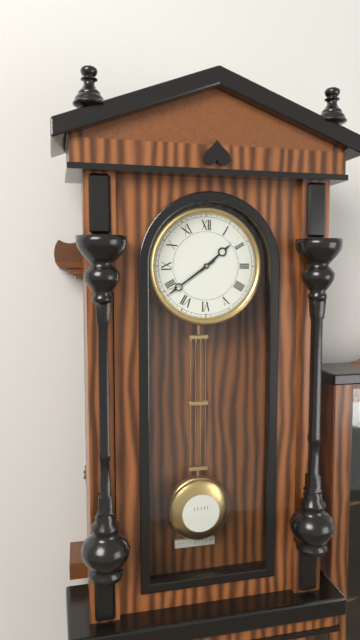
h=1 m=39
